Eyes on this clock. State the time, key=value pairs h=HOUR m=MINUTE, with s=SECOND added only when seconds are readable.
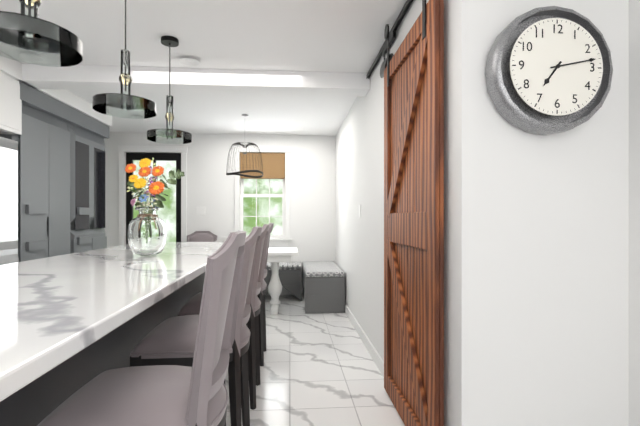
h=7 m=13
